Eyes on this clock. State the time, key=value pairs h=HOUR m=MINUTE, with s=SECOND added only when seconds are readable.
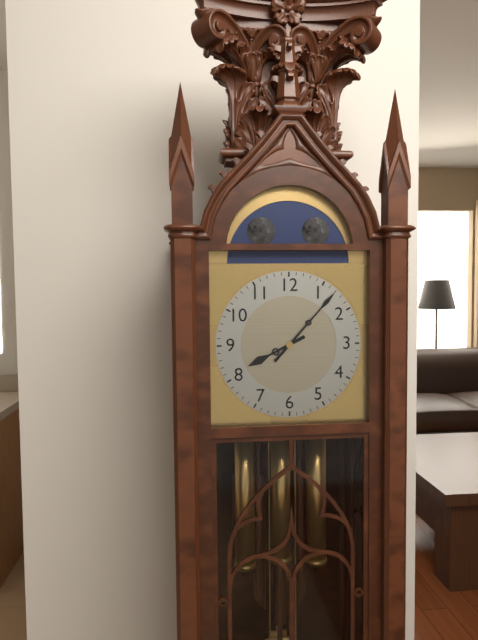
h=8 m=7
